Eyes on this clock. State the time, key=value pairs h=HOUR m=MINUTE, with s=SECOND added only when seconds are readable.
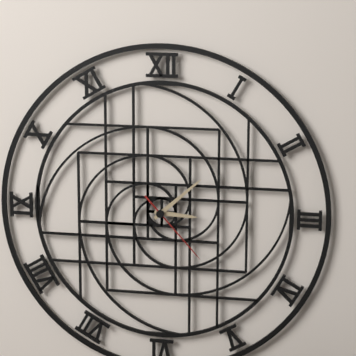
h=3 m=8 s=23
